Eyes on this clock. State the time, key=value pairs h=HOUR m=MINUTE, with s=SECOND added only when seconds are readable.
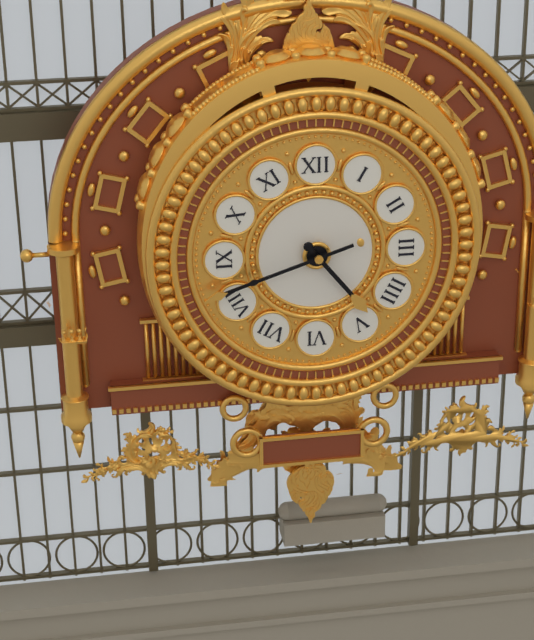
h=4 m=42
